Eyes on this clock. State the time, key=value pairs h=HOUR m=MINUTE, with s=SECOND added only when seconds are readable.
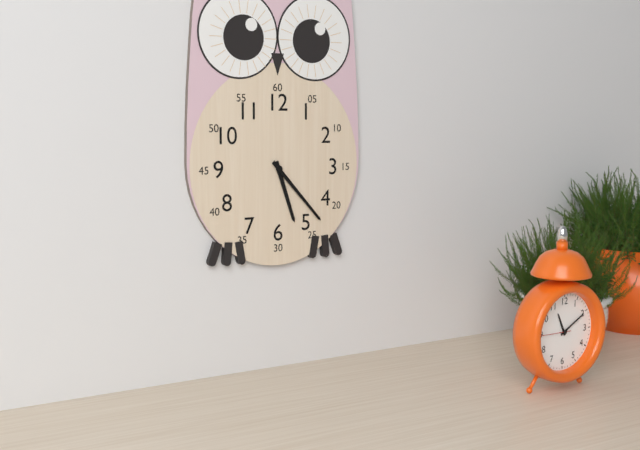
h=5 m=23
